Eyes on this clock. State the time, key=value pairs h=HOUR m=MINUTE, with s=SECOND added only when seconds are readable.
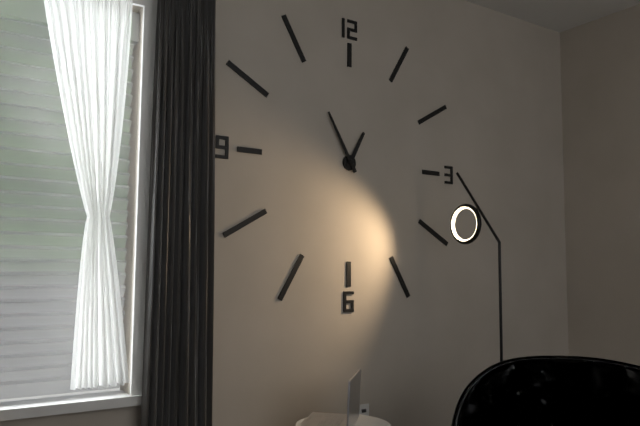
h=12 m=55
